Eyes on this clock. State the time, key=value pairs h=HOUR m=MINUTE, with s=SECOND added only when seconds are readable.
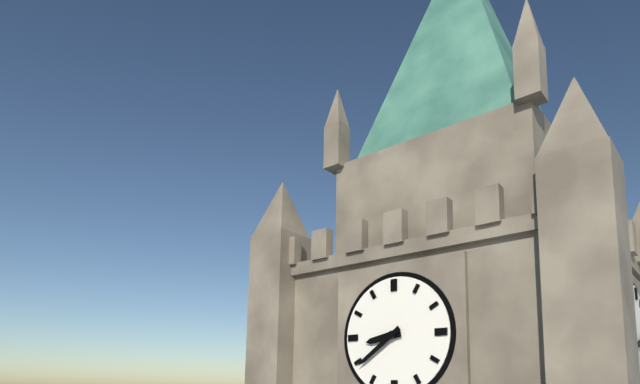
h=8 m=39
